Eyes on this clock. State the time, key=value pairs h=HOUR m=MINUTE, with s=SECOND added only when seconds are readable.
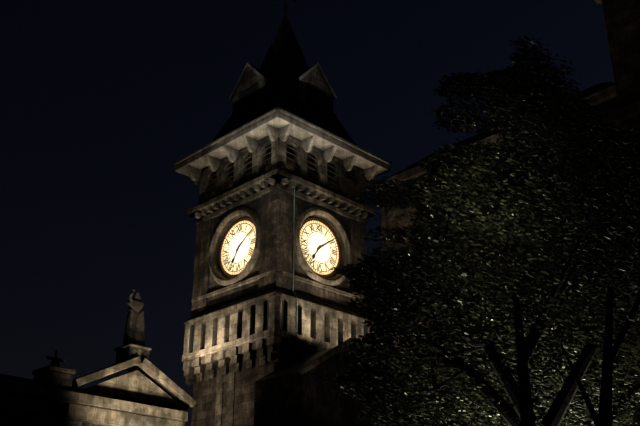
h=7 m=9
